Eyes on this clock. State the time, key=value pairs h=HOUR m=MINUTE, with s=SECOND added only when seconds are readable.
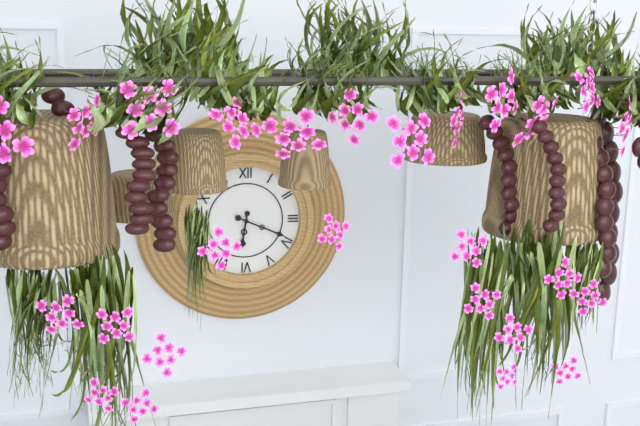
h=6 m=19
